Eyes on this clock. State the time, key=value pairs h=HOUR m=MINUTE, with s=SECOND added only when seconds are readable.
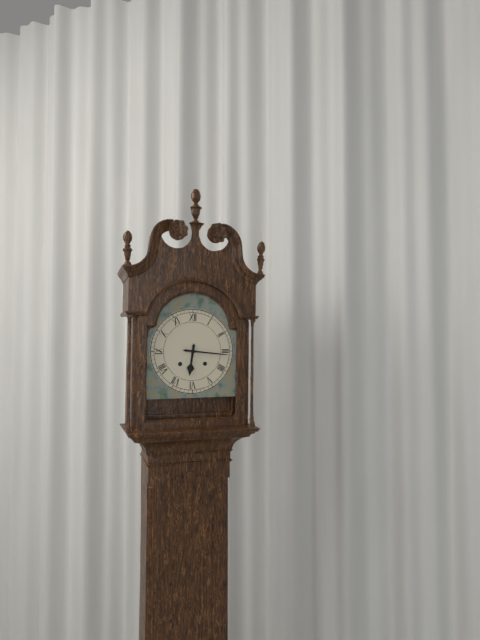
h=6 m=16
